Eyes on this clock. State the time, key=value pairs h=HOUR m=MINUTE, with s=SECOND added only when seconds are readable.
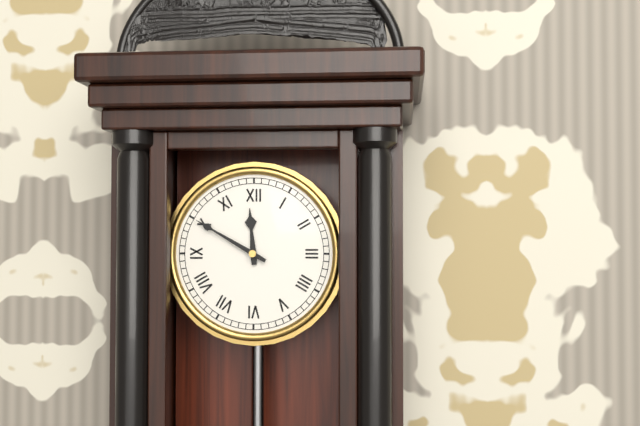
h=11 m=50
